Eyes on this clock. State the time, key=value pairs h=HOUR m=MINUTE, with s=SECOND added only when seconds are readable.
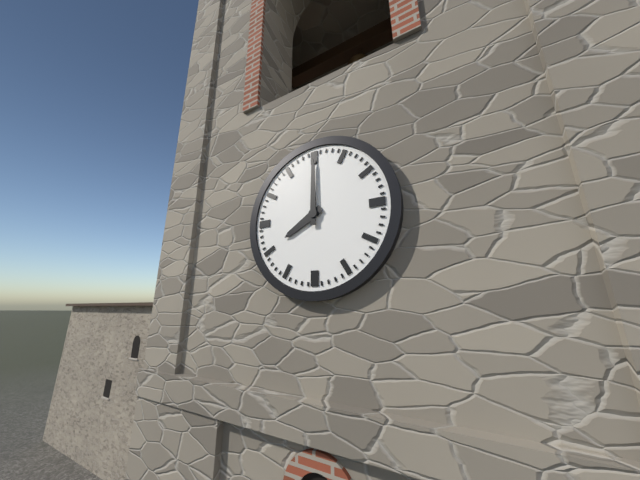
h=8 m=0
